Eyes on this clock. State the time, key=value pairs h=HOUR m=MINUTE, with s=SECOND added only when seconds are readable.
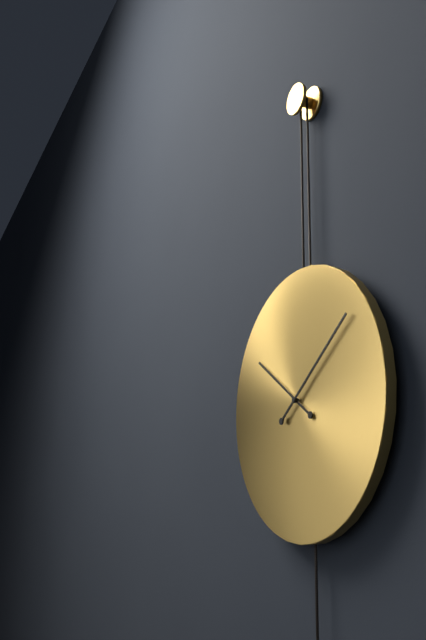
h=10 m=9
